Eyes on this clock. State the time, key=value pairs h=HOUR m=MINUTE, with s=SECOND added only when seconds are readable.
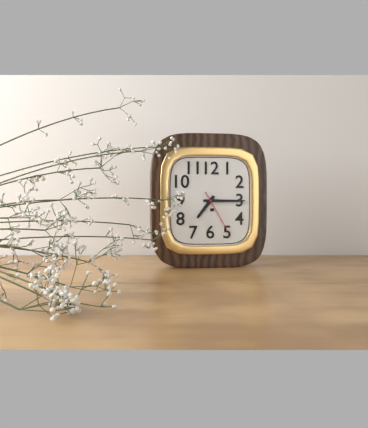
h=7 m=15 s=25
